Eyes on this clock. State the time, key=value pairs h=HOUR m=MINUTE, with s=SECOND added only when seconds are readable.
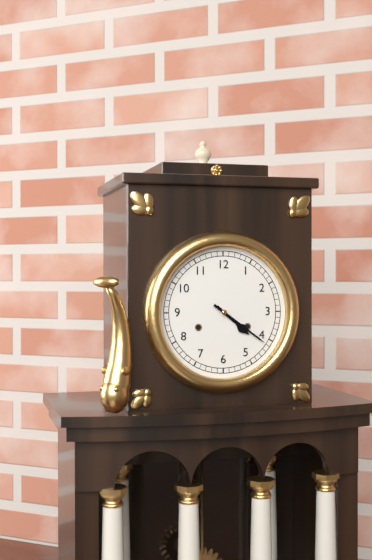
h=4 m=21
